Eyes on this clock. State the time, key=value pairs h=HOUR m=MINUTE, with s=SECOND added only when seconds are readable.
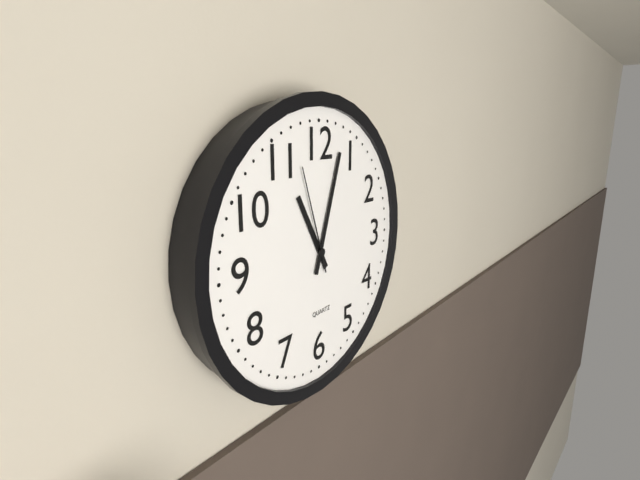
h=11 m=3 s=57
